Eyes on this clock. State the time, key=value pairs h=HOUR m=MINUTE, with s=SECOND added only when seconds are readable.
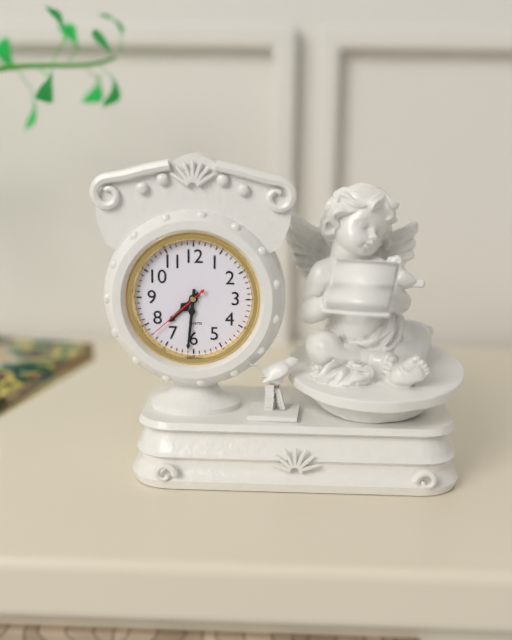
h=7 m=31 s=38
